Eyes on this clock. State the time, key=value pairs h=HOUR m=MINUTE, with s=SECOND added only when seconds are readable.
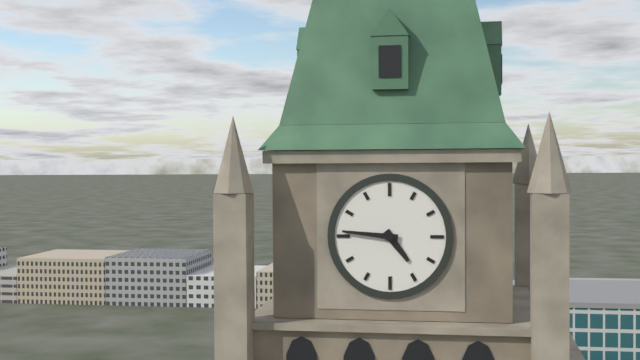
h=4 m=46
